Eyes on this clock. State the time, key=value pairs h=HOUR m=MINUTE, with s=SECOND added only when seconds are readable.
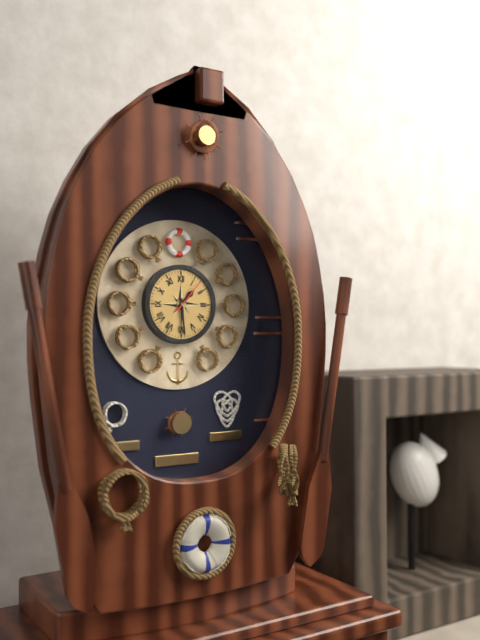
h=1 m=29
